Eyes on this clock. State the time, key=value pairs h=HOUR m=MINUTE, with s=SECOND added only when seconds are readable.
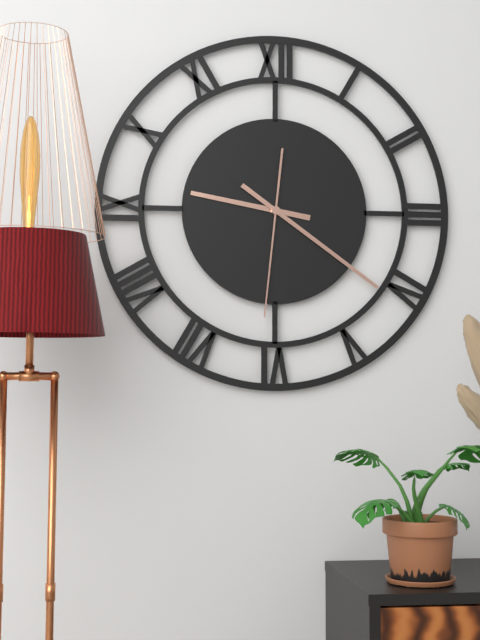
h=9 m=21 s=31
